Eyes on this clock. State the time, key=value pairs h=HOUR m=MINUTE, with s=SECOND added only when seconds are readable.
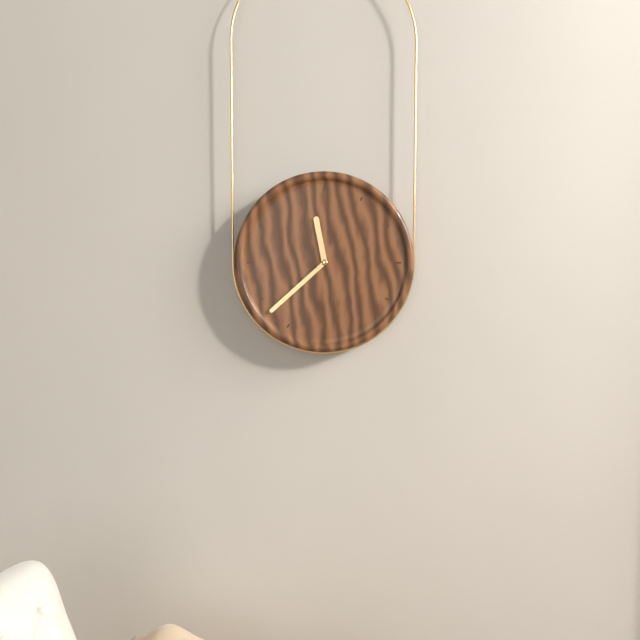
h=11 m=38
